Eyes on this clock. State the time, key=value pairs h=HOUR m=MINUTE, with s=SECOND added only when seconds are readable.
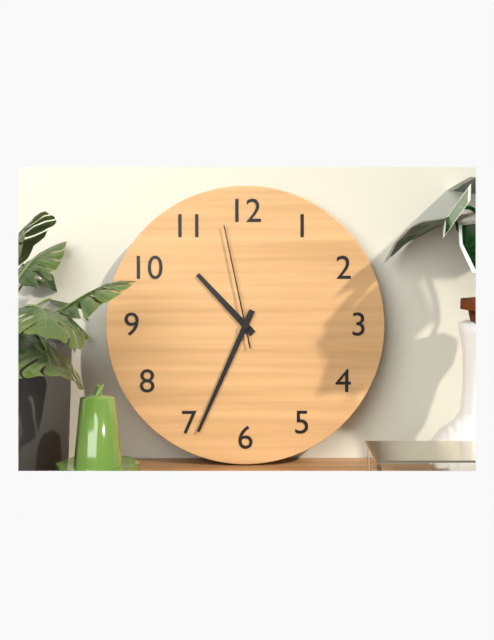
h=10 m=34 s=58
